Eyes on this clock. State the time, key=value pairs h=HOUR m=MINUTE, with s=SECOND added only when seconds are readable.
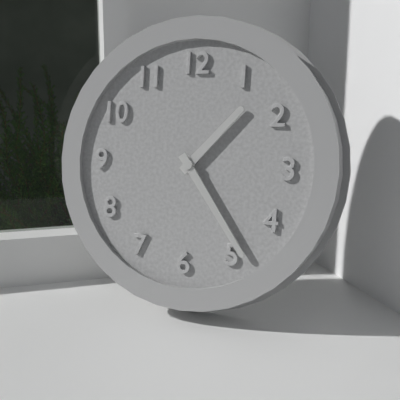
h=1 m=24
